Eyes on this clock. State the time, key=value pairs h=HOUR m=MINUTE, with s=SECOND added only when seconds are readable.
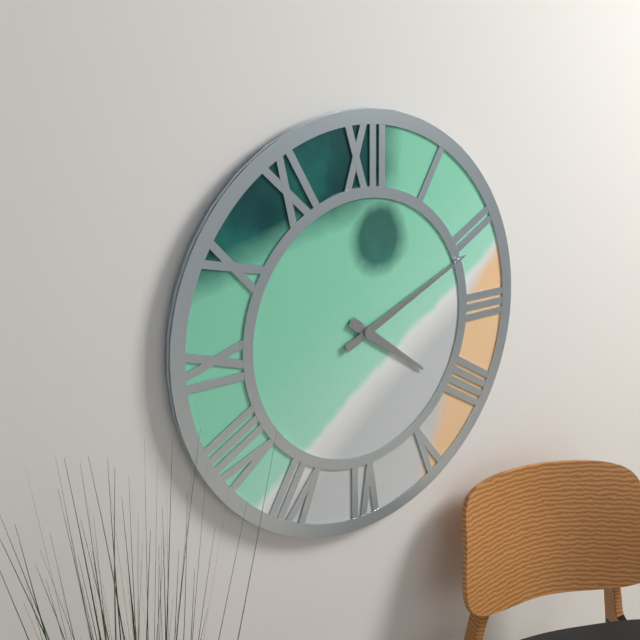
h=4 m=11
